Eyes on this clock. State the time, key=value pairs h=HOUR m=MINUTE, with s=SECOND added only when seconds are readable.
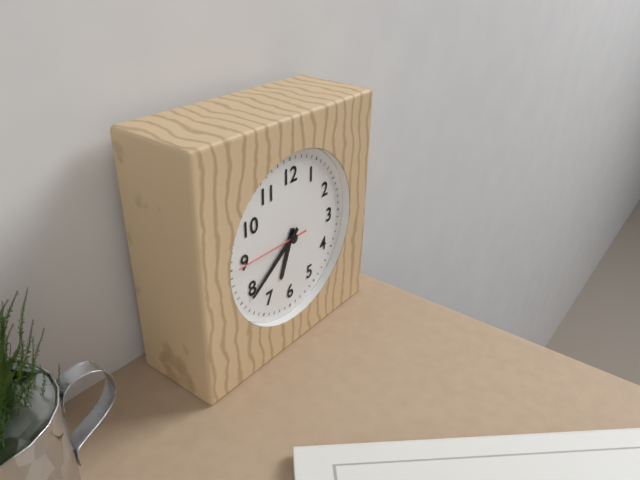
h=6 m=39 s=45
